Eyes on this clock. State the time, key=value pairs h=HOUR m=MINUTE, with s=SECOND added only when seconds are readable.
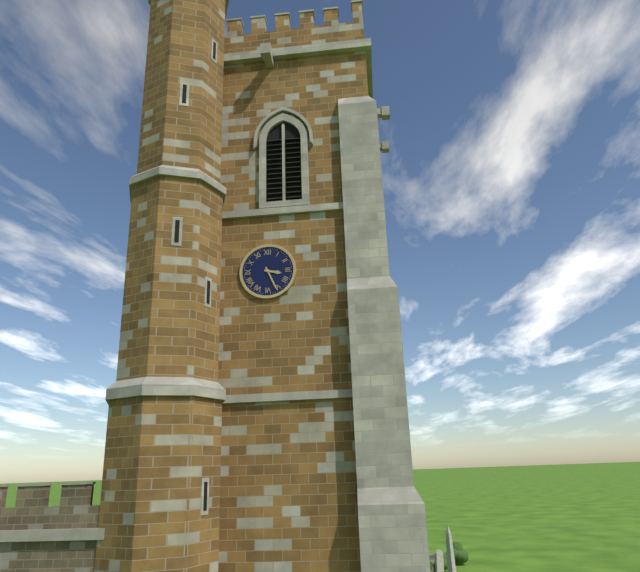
h=3 m=26
